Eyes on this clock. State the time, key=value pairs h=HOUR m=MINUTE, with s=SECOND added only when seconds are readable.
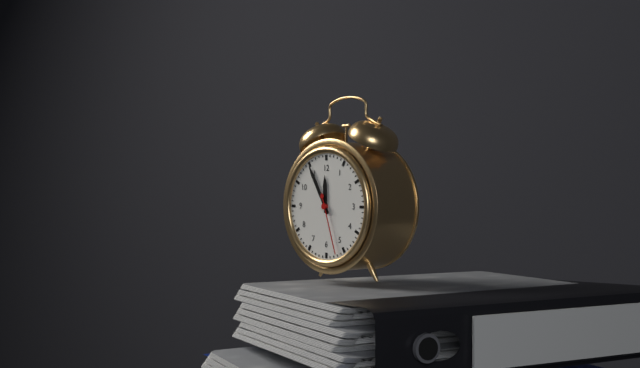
h=11 m=55 s=27
